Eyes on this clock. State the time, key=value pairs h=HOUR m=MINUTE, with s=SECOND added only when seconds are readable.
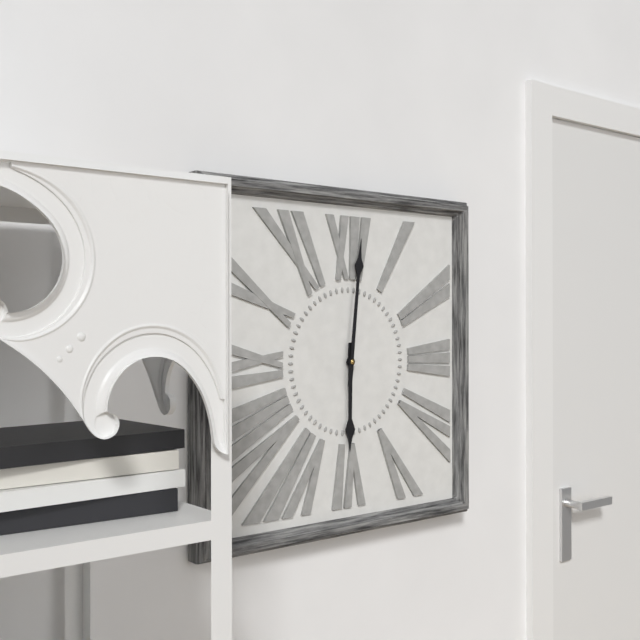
h=6 m=1
